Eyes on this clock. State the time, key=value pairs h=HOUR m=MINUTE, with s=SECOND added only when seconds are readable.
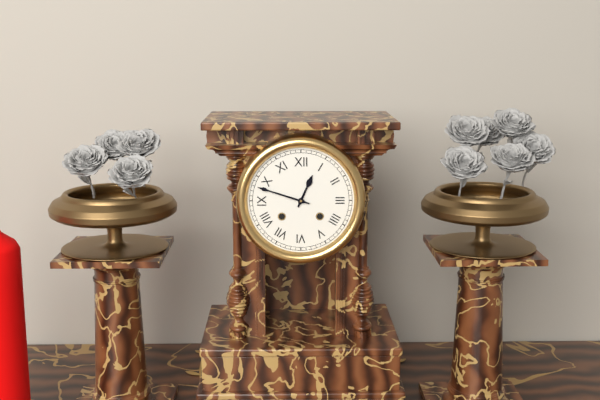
h=12 m=48
